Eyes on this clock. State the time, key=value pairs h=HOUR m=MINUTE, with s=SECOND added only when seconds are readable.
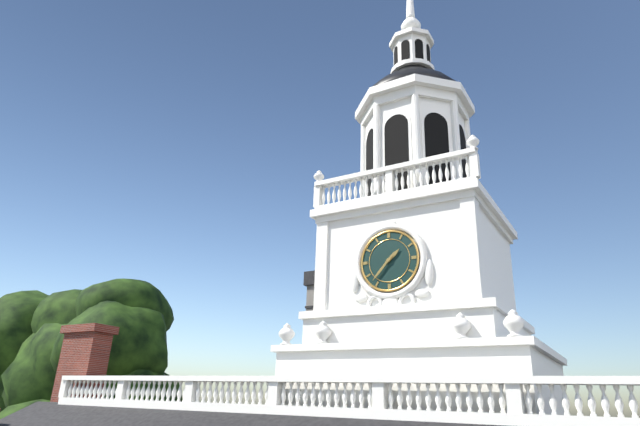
h=1 m=37
